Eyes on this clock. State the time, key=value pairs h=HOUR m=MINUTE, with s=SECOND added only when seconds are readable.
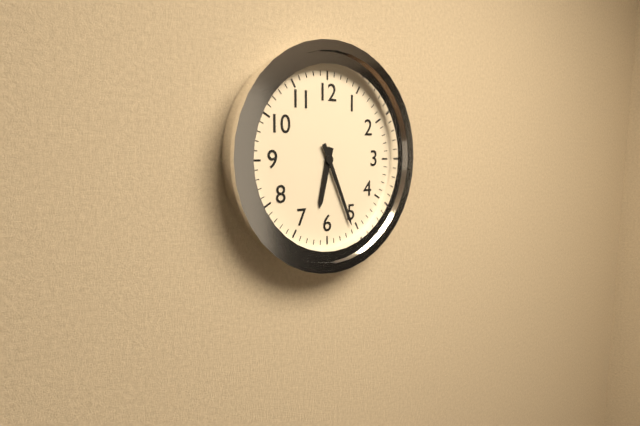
h=6 m=26
